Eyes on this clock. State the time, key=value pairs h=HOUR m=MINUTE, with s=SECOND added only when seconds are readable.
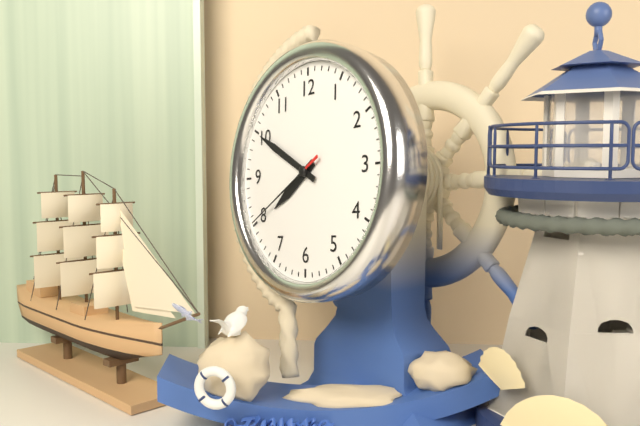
h=7 m=50 s=40
